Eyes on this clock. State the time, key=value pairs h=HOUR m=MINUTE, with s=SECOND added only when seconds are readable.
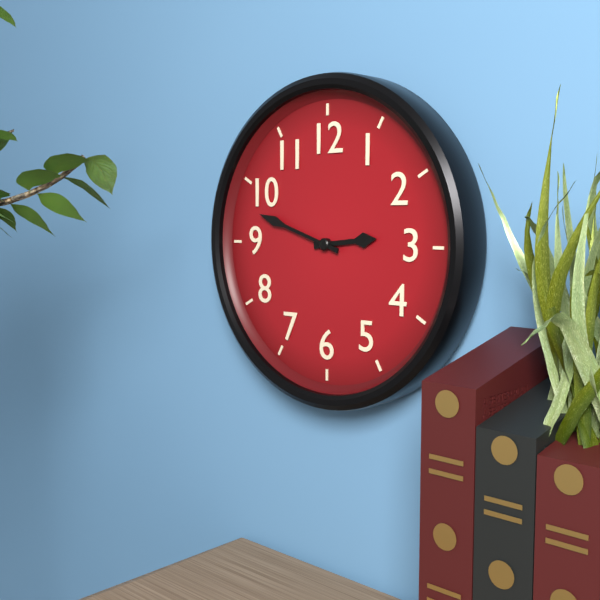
h=2 m=48
